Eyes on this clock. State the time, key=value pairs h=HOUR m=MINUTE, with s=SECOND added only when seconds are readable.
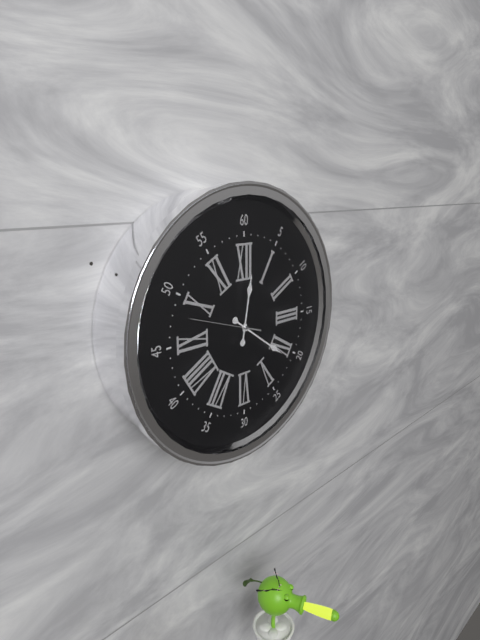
h=12 m=21 s=48
